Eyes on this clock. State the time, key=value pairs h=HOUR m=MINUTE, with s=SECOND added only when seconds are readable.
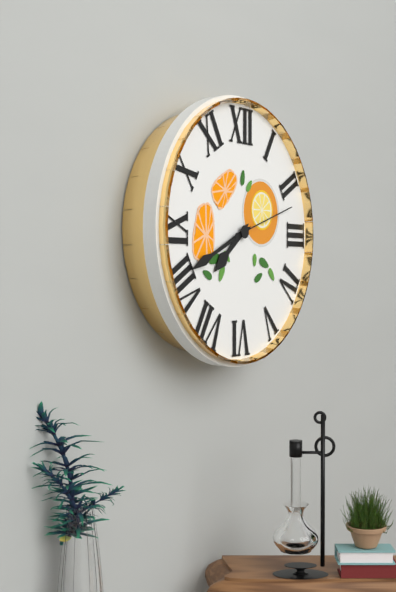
h=7 m=41 s=12
